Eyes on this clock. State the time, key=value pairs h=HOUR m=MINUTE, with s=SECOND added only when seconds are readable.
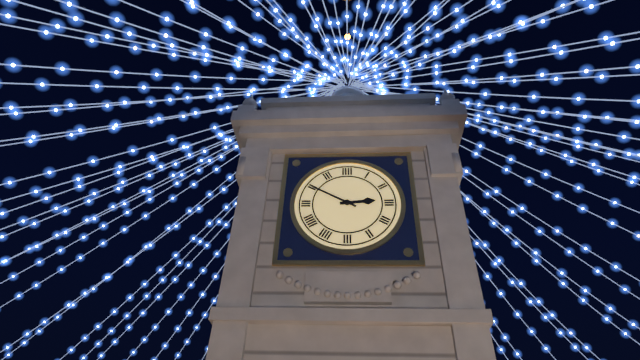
h=2 m=50
